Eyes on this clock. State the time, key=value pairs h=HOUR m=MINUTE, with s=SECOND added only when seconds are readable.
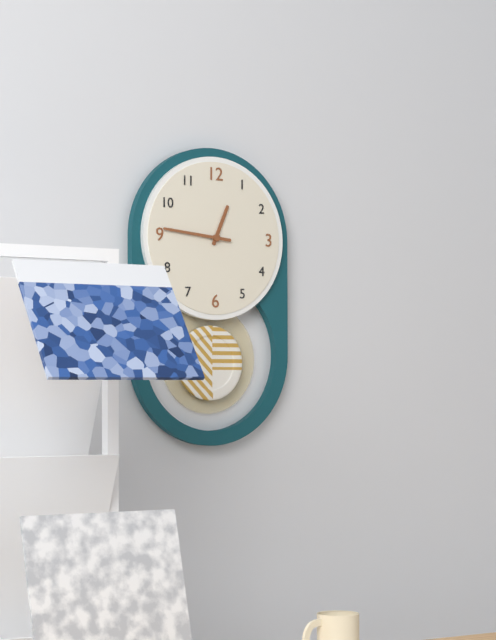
h=12 m=46
